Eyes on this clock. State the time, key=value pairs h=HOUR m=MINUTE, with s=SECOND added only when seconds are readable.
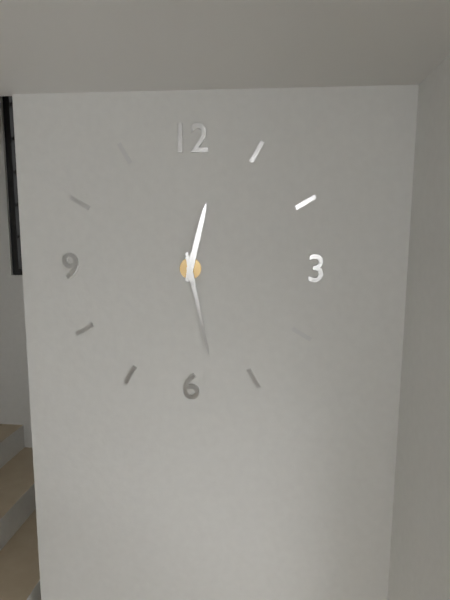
h=12 m=28
